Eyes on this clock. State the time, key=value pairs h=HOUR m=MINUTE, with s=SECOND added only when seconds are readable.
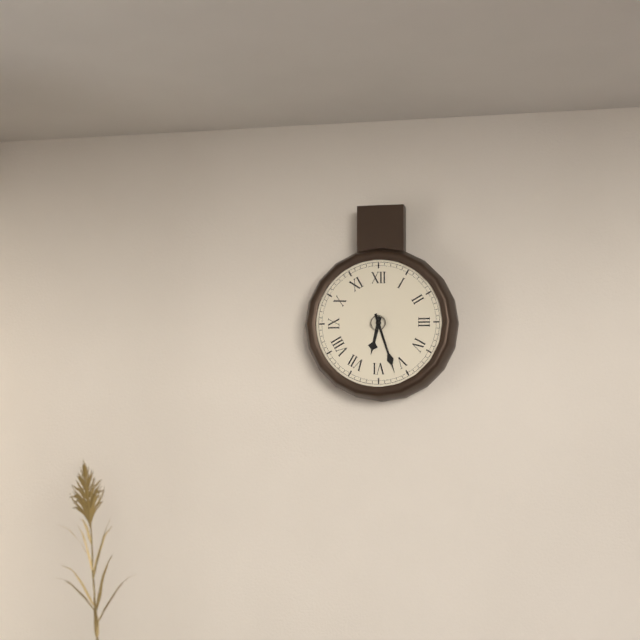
h=6 m=27
